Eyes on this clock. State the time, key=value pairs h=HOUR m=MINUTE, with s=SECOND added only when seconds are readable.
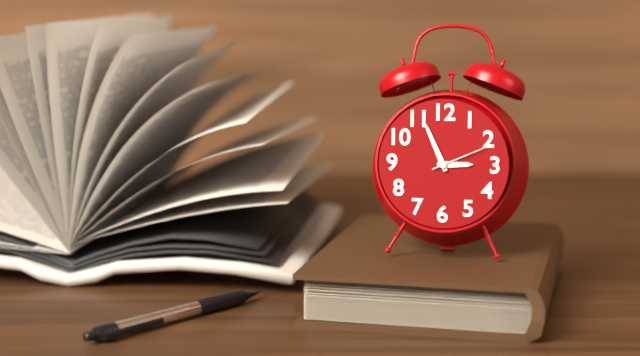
h=2 m=56 s=11
